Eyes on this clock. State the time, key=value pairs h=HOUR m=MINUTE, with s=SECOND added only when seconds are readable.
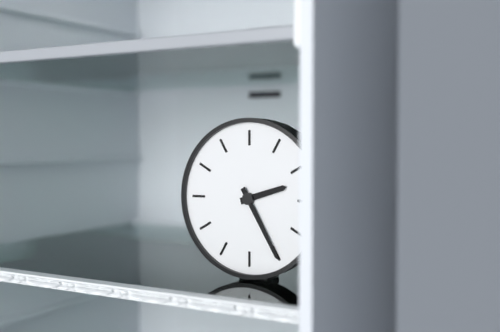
h=2 m=25
